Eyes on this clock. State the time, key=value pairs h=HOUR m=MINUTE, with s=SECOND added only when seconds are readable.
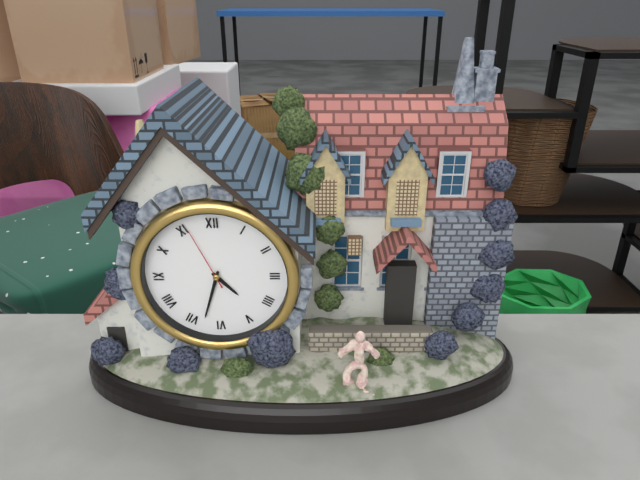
h=4 m=33 s=56
